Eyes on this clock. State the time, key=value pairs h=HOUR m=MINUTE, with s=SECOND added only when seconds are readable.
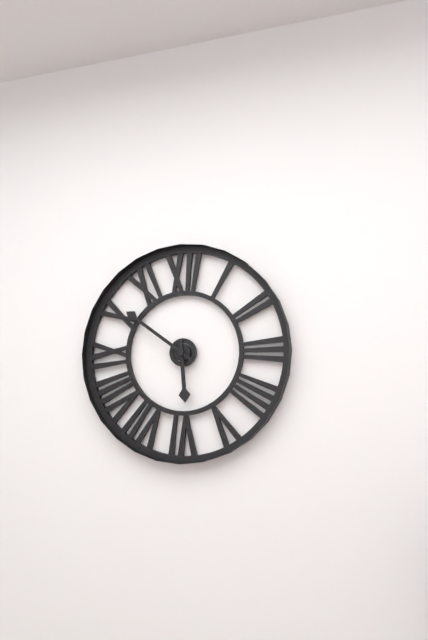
h=5 m=51
